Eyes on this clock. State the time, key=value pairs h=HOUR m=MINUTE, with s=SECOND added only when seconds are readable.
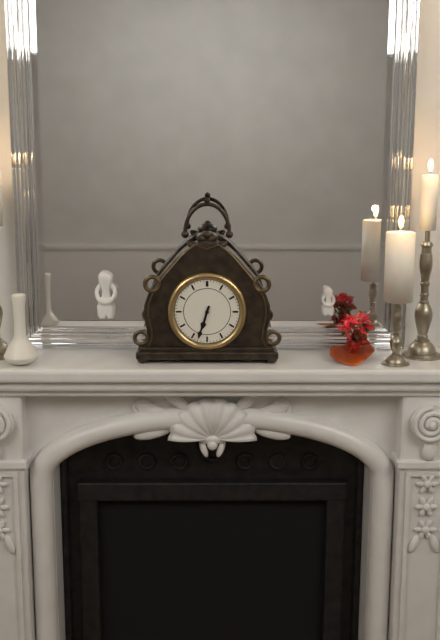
h=6 m=33
